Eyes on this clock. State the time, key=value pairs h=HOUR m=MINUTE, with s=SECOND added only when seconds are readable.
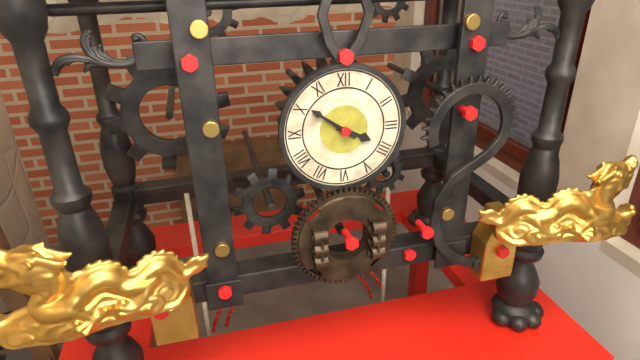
h=3 m=51
